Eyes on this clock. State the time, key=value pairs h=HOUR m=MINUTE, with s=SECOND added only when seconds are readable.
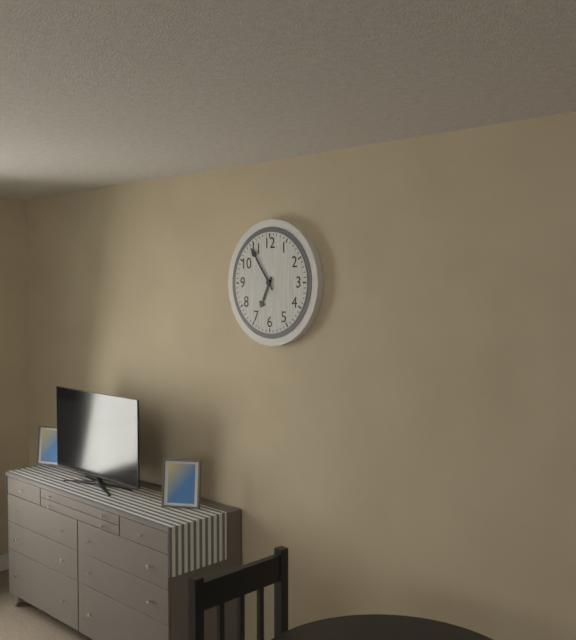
h=6 m=54
